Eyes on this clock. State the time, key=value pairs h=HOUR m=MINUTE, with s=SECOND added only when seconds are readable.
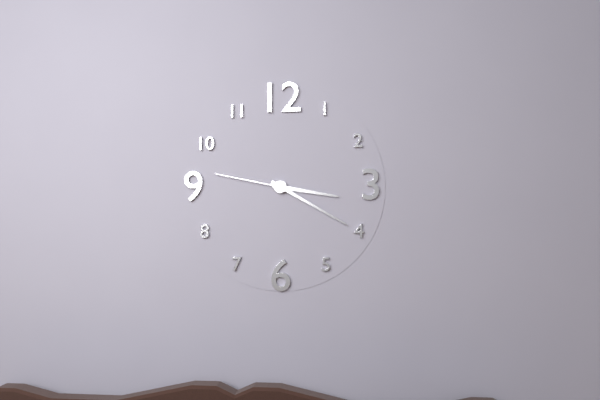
h=3 m=20 s=47
